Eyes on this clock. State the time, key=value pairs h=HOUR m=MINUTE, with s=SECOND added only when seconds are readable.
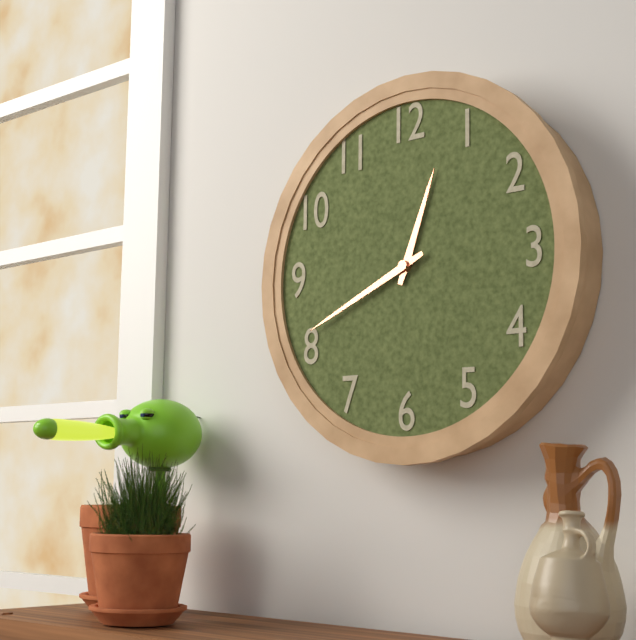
h=12 m=41
